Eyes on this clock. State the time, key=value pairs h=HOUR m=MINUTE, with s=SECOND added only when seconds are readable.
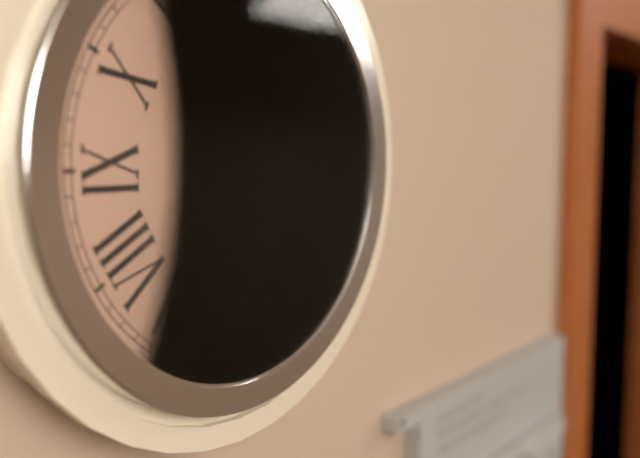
h=3 m=2
